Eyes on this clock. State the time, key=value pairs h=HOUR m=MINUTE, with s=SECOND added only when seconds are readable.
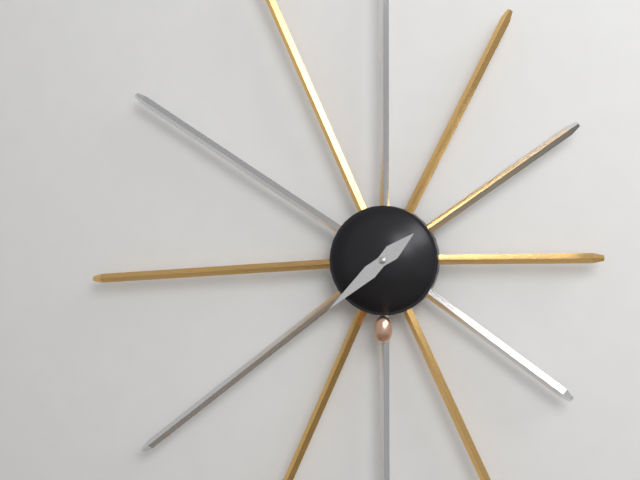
h=1 m=38
